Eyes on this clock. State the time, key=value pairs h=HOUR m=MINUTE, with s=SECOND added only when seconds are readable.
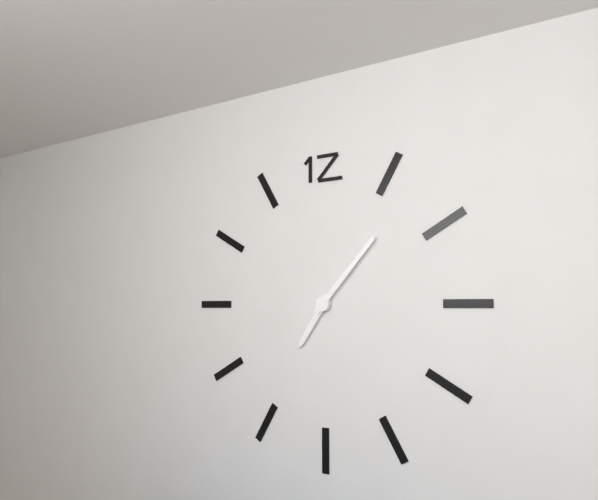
h=7 m=7
